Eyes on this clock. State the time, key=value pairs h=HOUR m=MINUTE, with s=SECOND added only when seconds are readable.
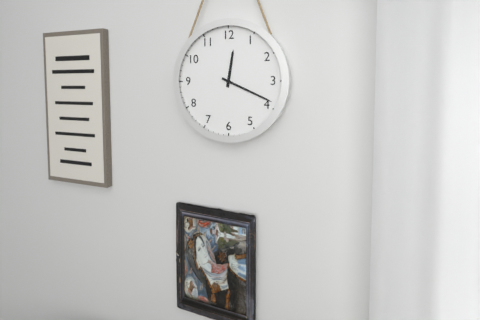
h=12 m=19
